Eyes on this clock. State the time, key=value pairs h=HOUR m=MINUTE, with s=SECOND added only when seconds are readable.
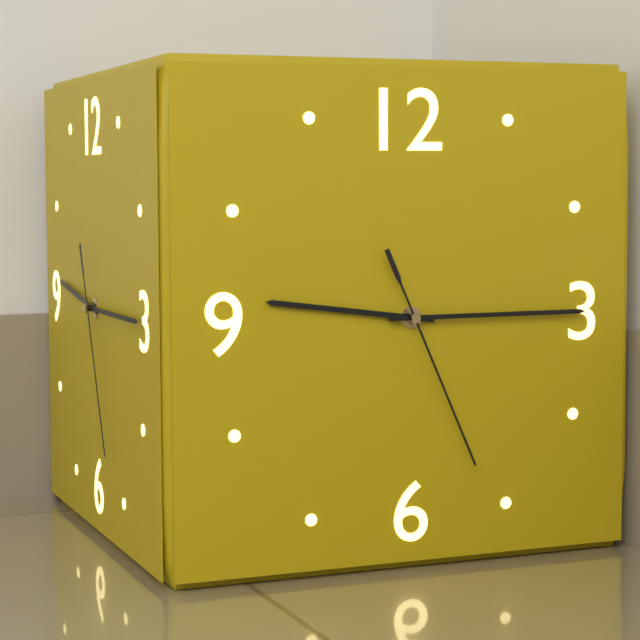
h=9 m=15 s=26
